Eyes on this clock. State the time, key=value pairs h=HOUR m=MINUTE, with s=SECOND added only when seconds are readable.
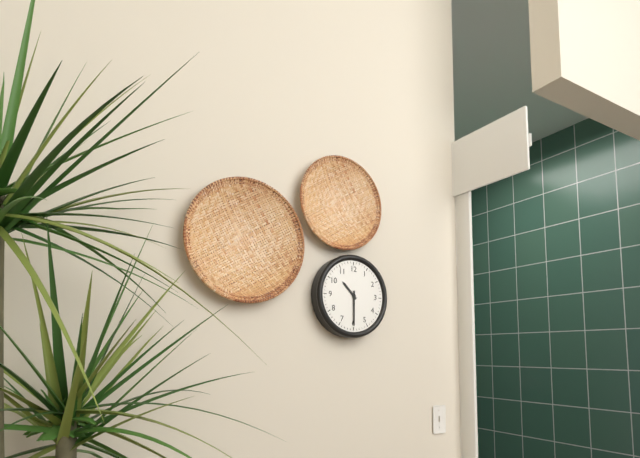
h=10 m=30
